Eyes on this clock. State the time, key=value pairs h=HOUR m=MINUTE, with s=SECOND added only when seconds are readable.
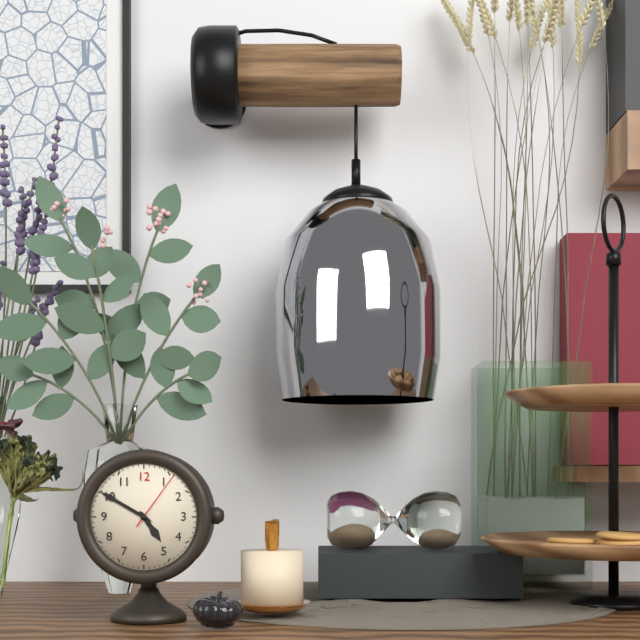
h=4 m=50 s=6
